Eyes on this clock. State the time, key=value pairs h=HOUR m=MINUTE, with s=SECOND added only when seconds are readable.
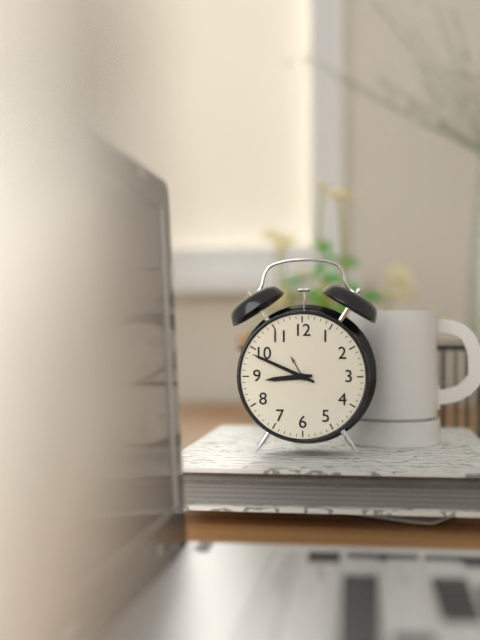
h=8 m=49
